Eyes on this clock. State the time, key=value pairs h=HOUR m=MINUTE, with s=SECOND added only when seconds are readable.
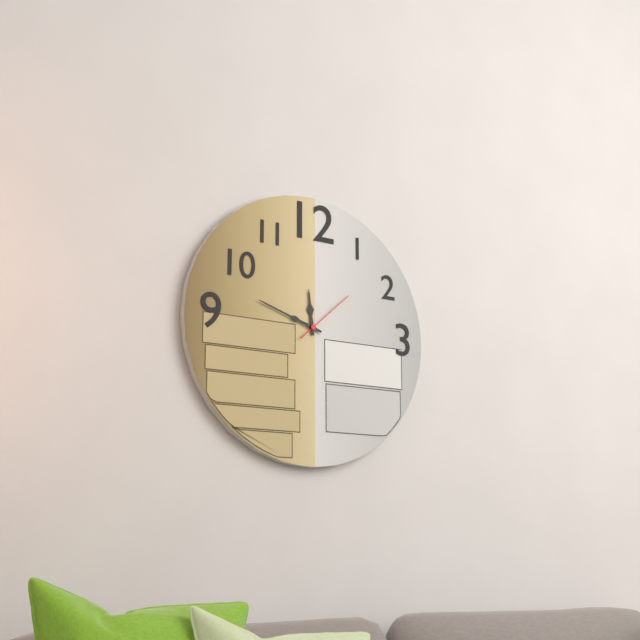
h=11 m=48 s=8
